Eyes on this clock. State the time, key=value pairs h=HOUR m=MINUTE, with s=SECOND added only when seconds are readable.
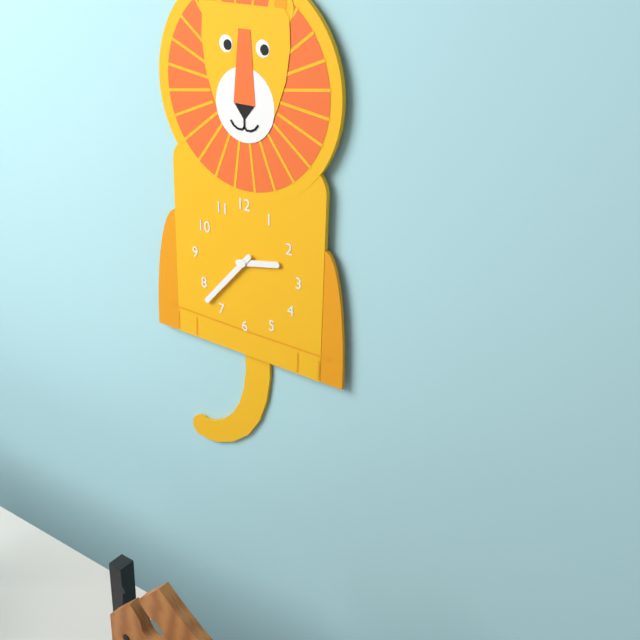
h=2 m=37
